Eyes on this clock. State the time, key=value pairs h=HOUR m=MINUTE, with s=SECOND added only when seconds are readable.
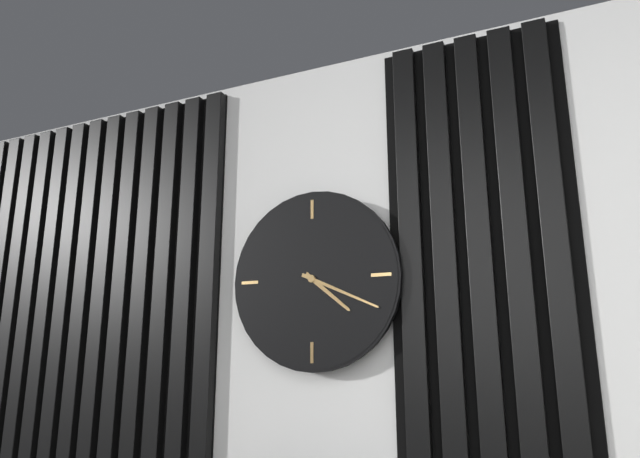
h=4 m=19
